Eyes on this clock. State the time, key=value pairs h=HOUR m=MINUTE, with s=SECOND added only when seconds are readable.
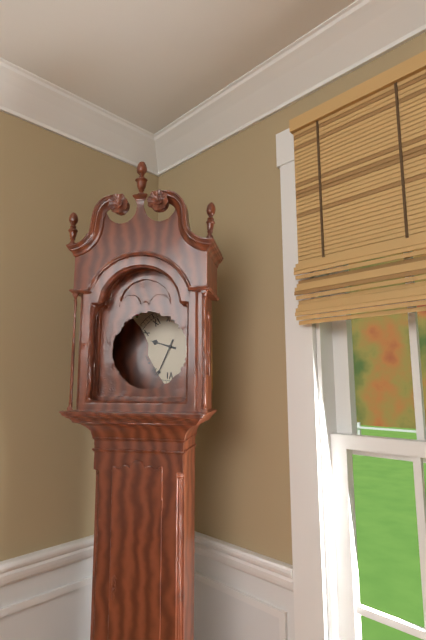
h=9 m=34
